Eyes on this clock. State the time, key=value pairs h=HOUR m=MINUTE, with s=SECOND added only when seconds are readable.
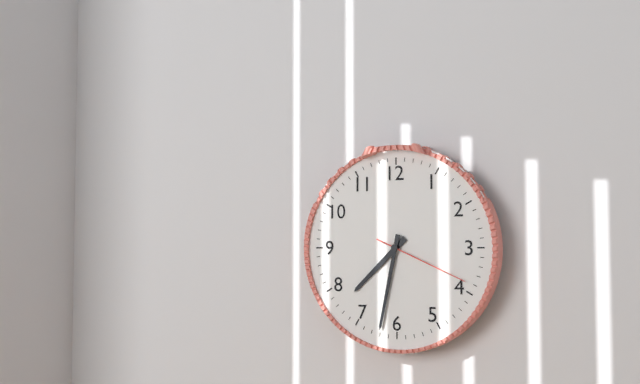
h=7 m=32 s=19
